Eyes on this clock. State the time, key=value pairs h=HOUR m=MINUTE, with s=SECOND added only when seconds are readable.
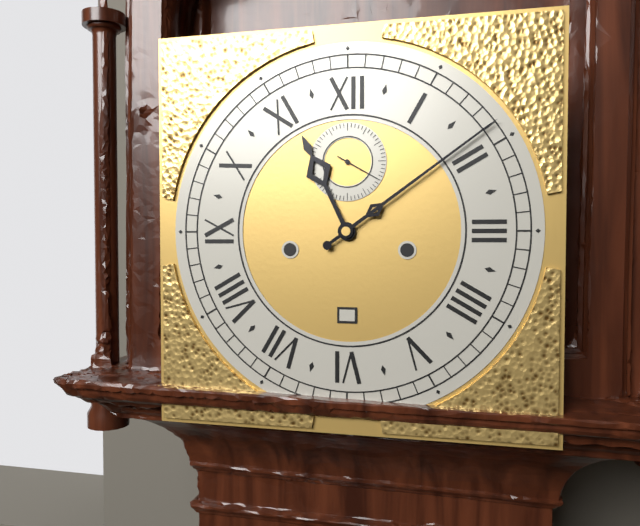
h=11 m=9
